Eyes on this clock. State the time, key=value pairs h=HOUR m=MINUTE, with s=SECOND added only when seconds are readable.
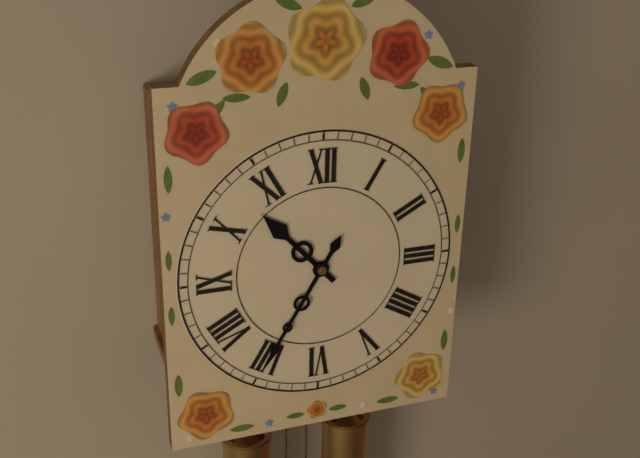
h=10 m=35
